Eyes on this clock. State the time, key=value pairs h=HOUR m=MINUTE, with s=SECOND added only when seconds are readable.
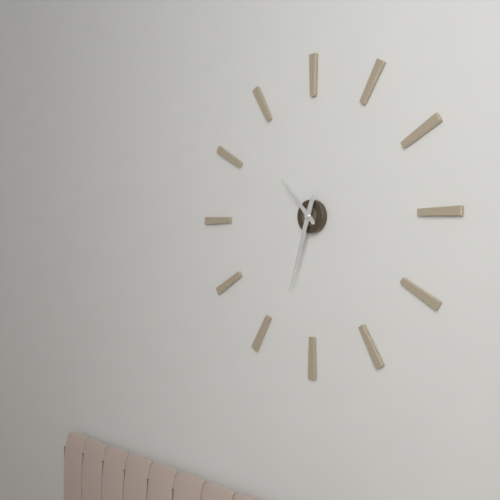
h=10 m=33
